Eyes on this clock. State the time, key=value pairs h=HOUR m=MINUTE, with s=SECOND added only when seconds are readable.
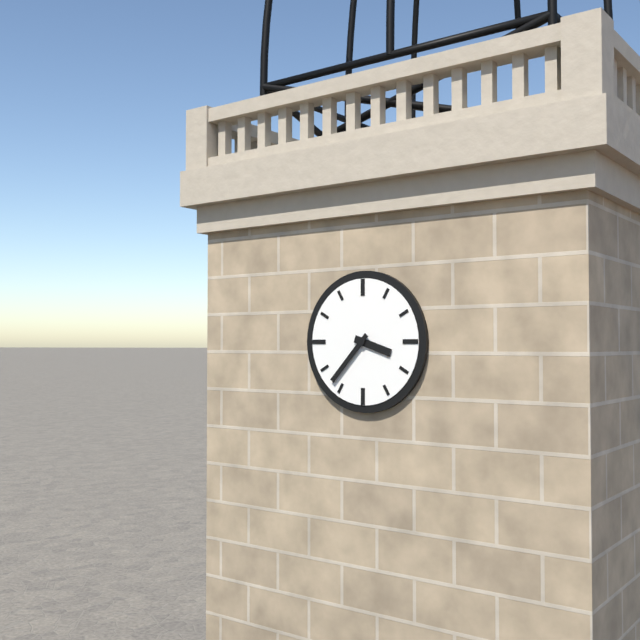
h=3 m=37
